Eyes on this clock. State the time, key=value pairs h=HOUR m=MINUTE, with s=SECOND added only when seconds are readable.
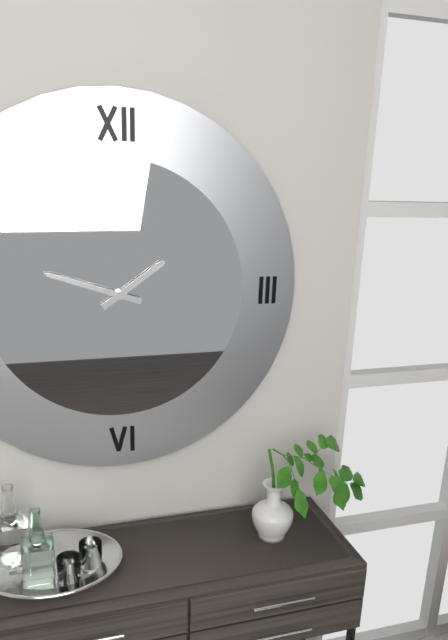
h=1 m=48
